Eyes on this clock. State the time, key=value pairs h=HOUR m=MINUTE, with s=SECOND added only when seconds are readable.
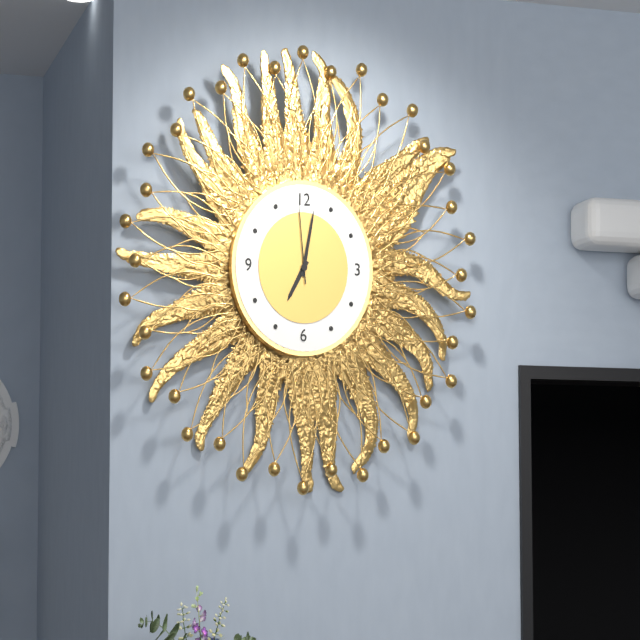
h=7 m=2 s=59
